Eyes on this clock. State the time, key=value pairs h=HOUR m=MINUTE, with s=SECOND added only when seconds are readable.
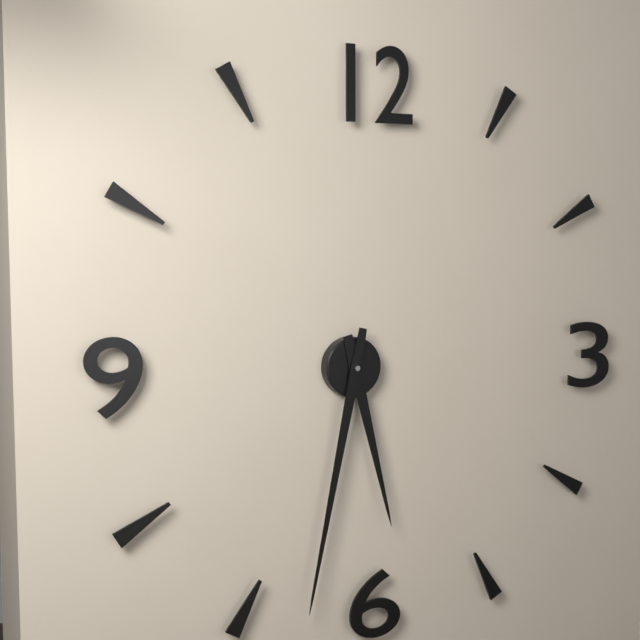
h=5 m=32
